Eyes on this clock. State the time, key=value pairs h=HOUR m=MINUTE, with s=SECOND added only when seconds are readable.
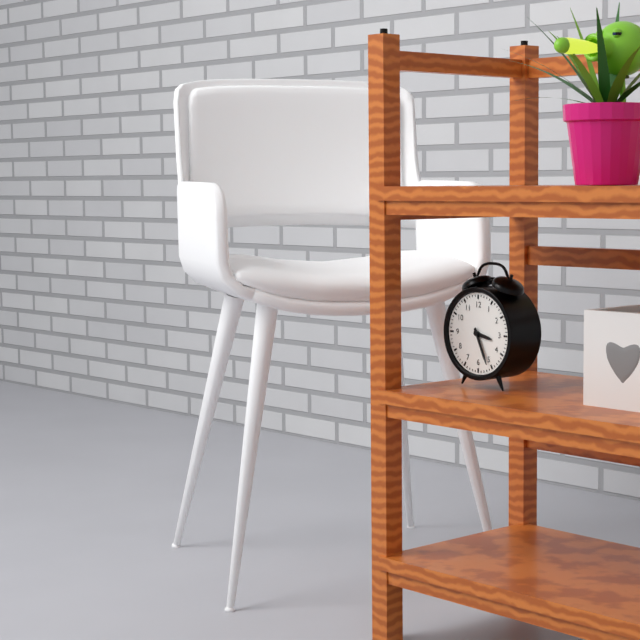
h=3 m=26
